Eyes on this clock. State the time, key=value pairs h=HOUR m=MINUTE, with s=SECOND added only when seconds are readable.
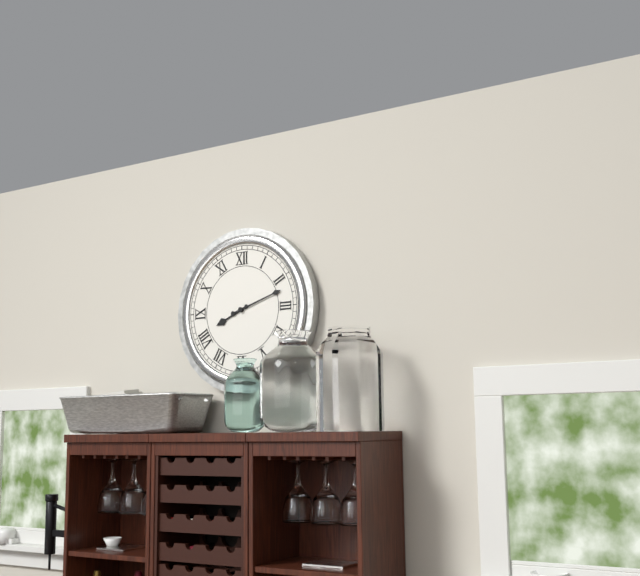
h=8 m=12
